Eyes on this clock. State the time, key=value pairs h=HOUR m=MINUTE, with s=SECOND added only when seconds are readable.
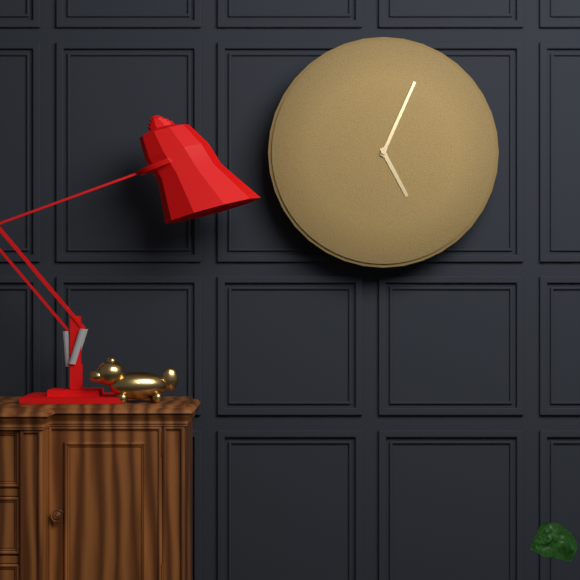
h=5 m=4
